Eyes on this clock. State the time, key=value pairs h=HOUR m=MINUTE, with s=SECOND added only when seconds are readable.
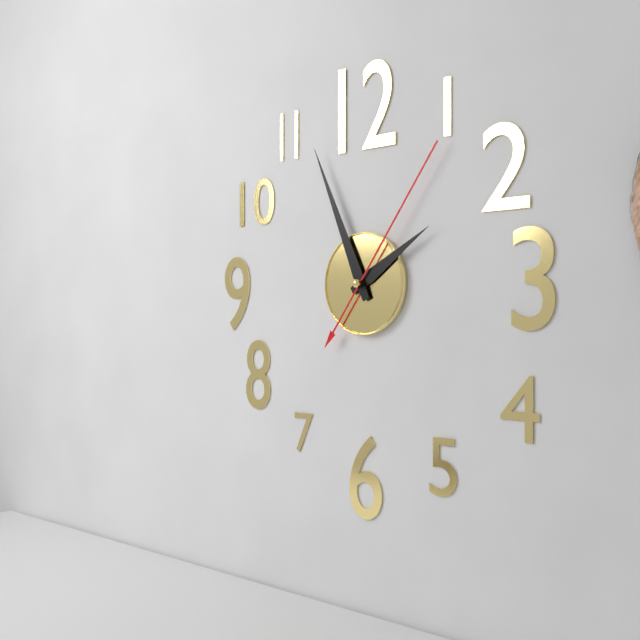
h=1 m=56 s=6
